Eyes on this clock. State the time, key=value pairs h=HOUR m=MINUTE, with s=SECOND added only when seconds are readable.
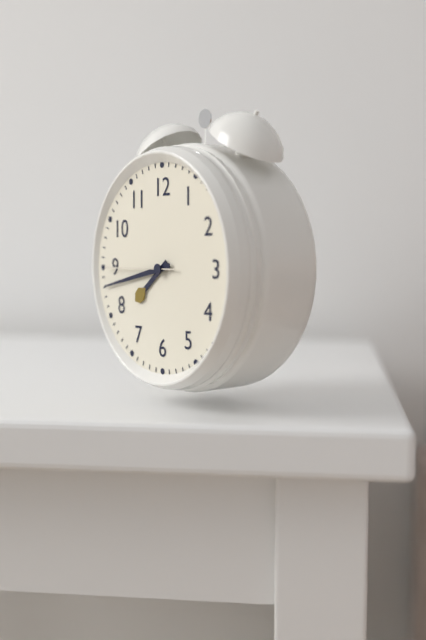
h=7 m=43 s=45
